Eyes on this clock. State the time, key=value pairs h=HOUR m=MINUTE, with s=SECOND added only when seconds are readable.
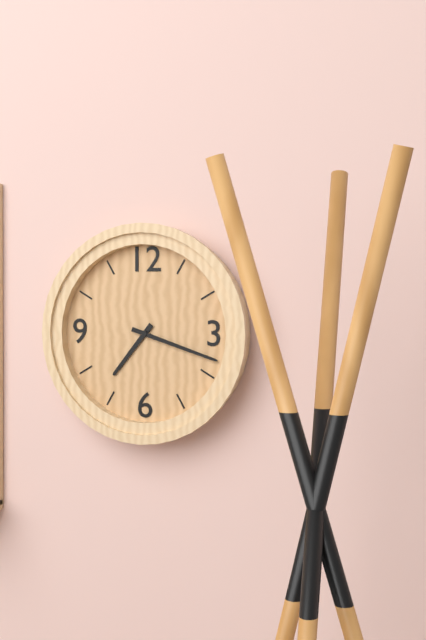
h=7 m=18
